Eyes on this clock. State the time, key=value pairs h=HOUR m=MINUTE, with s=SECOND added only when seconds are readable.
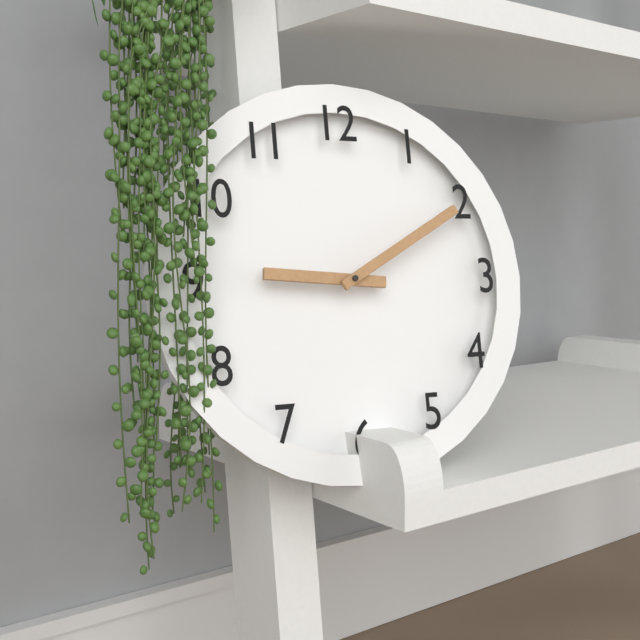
h=9 m=10
